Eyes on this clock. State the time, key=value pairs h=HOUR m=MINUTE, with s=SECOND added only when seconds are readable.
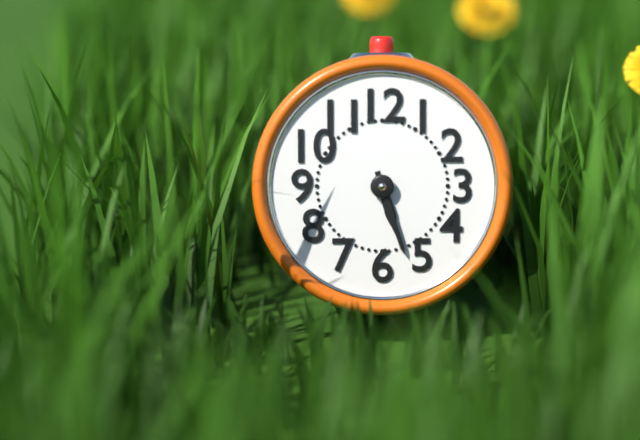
h=5 m=27
